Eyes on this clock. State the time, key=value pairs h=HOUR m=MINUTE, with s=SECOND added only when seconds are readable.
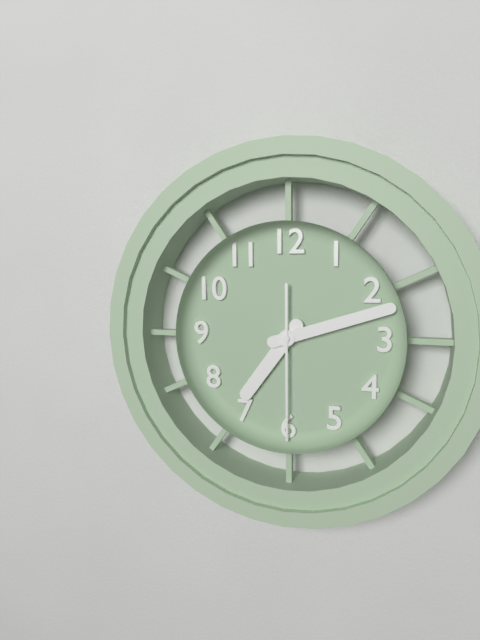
h=7 m=12 s=30
